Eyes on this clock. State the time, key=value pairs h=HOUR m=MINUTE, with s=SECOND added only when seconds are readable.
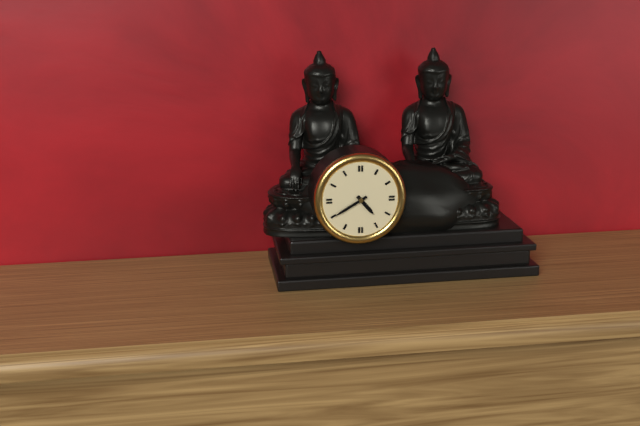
h=4 m=40
